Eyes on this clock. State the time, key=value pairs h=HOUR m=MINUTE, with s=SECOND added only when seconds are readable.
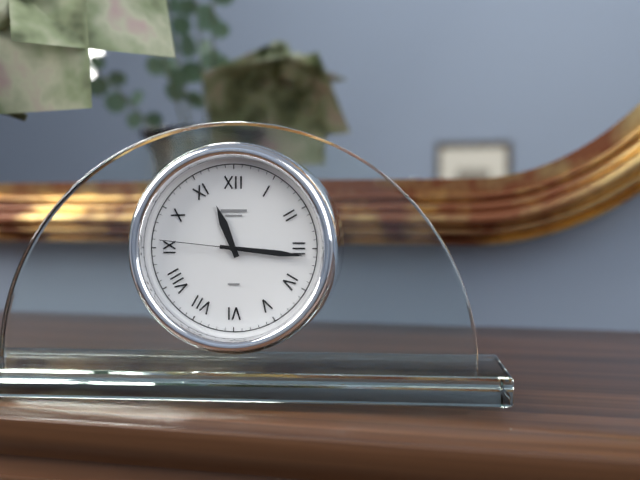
h=11 m=16 s=46
